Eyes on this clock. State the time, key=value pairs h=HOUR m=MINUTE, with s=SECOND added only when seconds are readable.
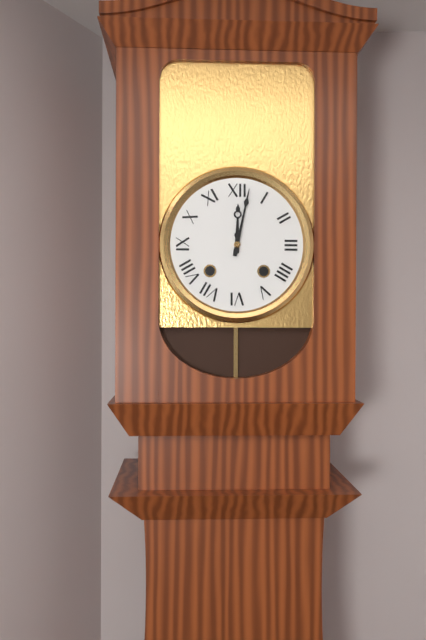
h=12 m=2
